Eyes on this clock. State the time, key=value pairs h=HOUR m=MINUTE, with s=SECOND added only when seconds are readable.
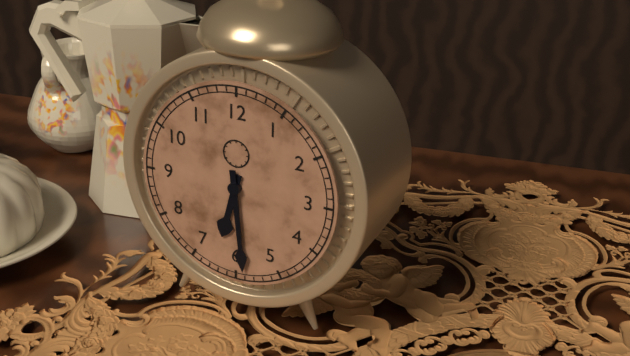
h=6 m=29
